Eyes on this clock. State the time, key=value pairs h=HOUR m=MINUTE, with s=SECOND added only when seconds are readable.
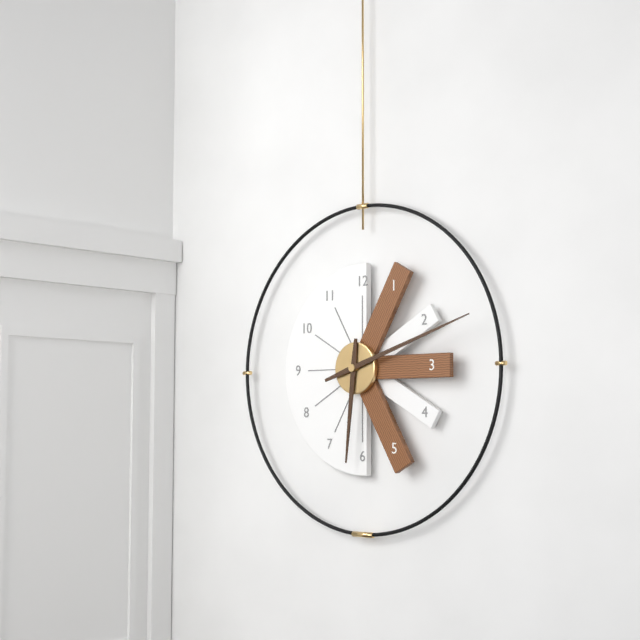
h=6 m=12
